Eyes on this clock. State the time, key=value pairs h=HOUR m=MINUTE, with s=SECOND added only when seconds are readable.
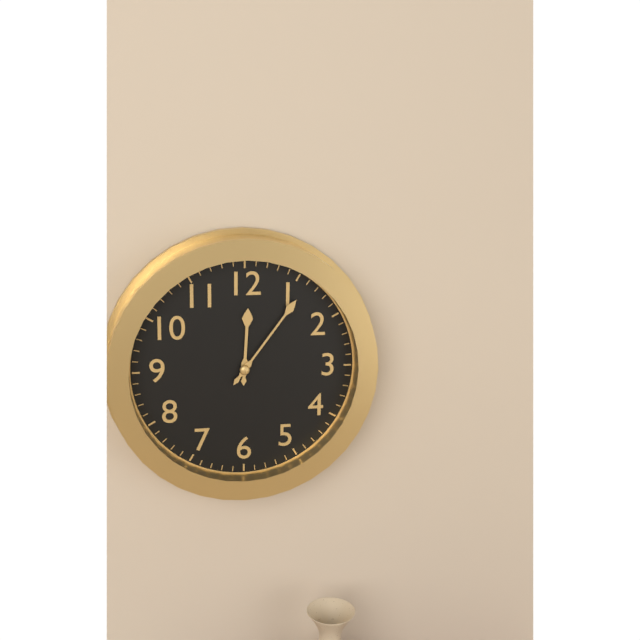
h=12 m=6
